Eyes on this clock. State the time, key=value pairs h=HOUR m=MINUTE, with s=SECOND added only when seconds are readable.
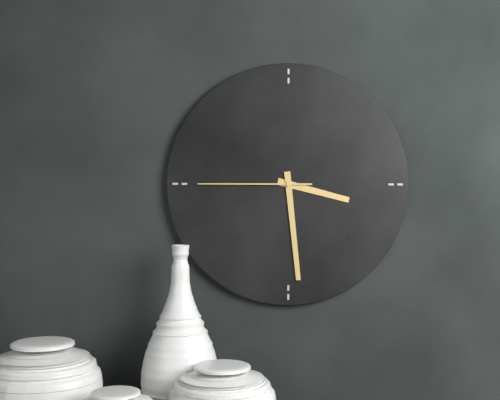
h=3 m=29 s=45
